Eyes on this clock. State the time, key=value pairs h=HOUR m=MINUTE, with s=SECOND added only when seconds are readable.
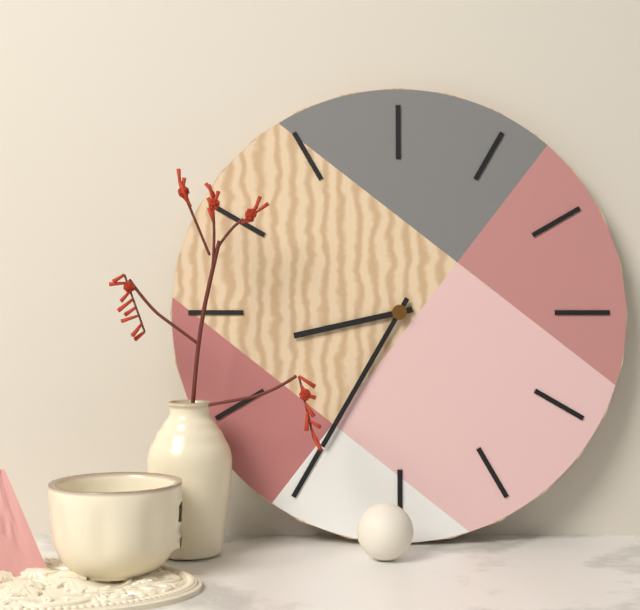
h=8 m=35
